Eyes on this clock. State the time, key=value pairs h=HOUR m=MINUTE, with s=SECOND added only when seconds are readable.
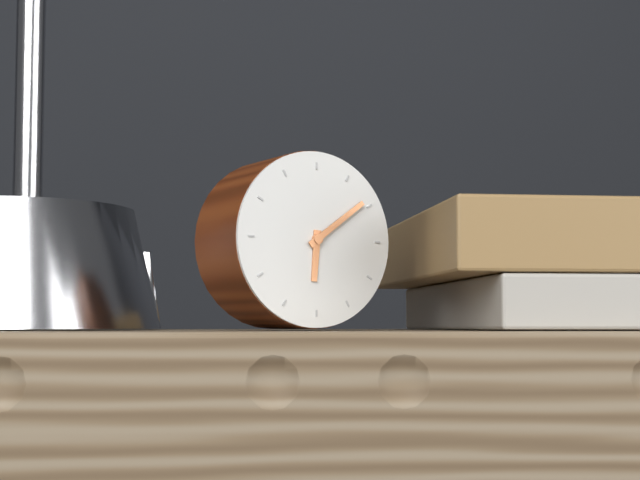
h=6 m=9
